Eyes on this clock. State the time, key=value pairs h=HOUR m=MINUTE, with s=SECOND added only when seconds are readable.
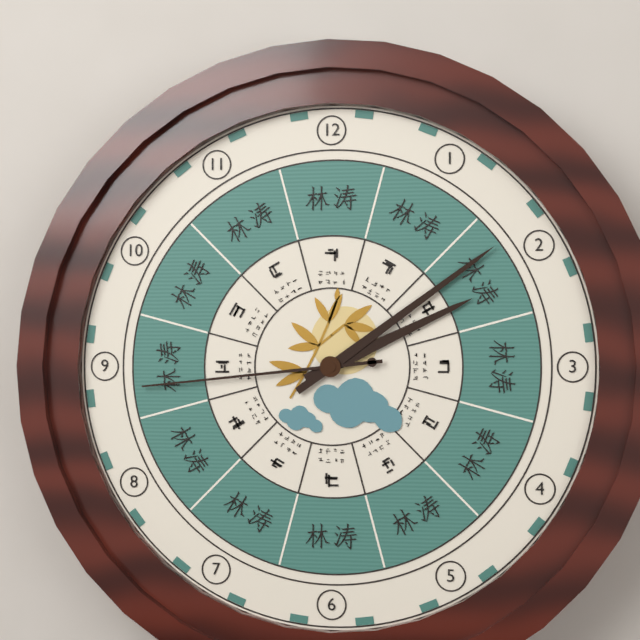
h=2 m=9 s=44
